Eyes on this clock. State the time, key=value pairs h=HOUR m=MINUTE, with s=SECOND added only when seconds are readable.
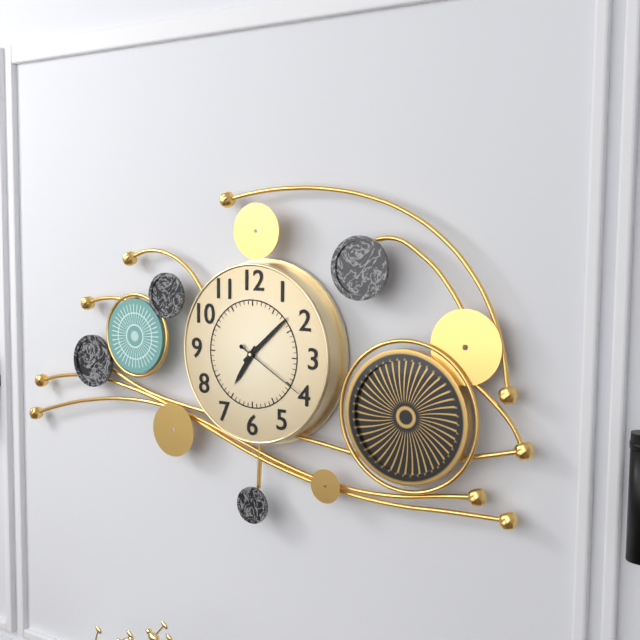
h=7 m=8 s=20
